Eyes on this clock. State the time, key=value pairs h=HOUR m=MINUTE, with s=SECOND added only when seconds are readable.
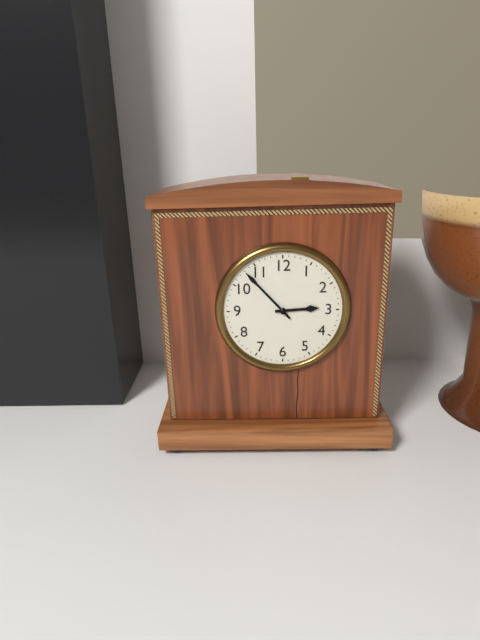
h=2 m=53
